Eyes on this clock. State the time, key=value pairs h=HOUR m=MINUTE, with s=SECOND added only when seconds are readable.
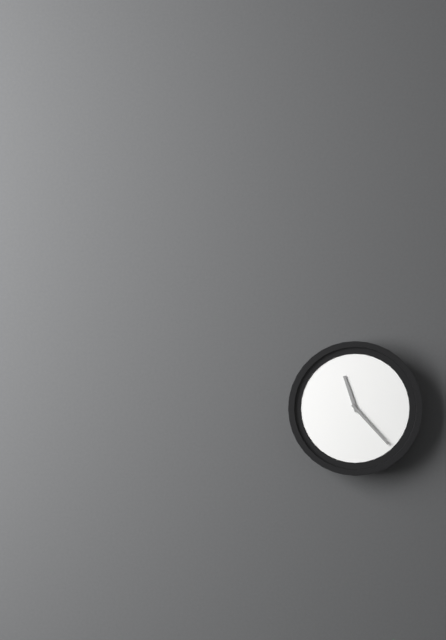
h=11 m=23
